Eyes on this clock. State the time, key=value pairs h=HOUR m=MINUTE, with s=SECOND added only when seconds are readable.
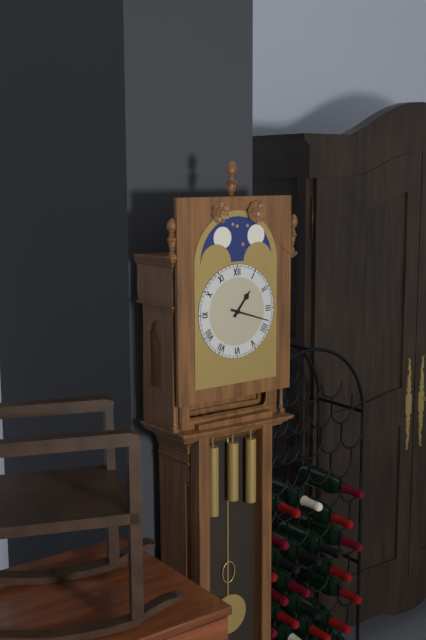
h=1 m=18
